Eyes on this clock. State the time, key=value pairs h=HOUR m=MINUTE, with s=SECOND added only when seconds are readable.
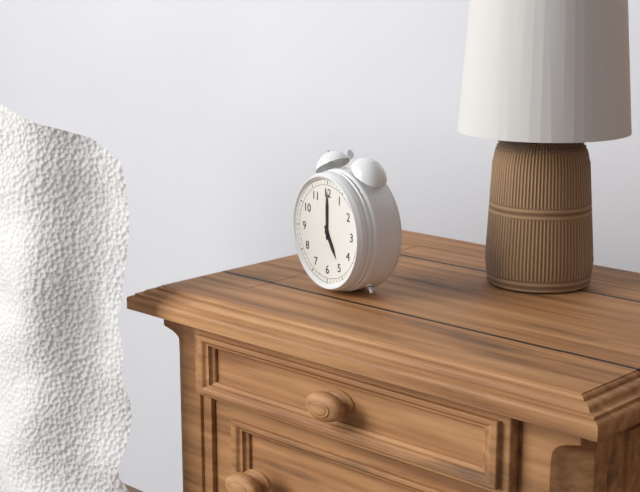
h=5 m=0
